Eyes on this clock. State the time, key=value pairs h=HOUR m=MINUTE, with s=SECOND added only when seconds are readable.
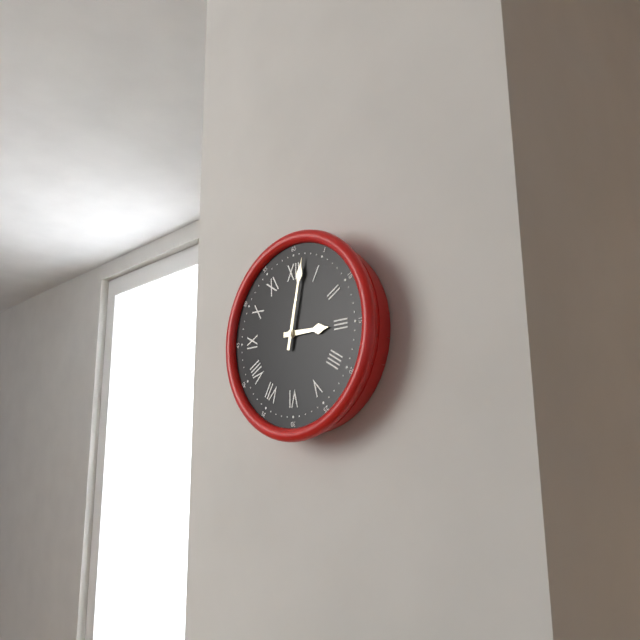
h=3 m=2
